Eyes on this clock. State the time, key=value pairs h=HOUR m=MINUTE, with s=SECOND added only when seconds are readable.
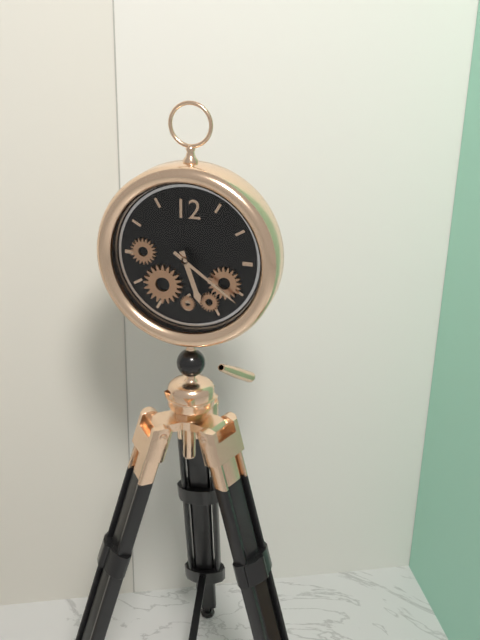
h=5 m=21
